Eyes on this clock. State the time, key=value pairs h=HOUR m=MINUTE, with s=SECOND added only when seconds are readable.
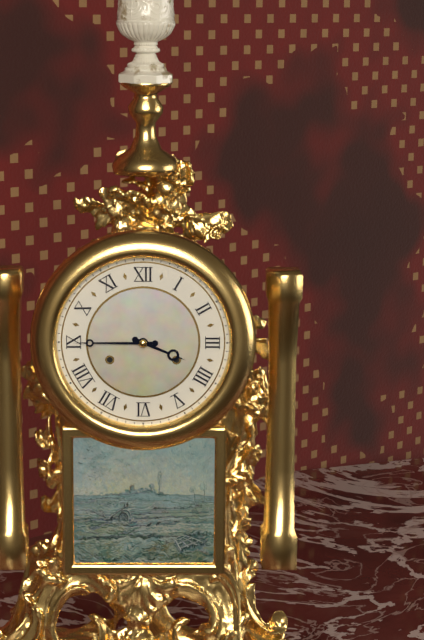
h=3 m=45
